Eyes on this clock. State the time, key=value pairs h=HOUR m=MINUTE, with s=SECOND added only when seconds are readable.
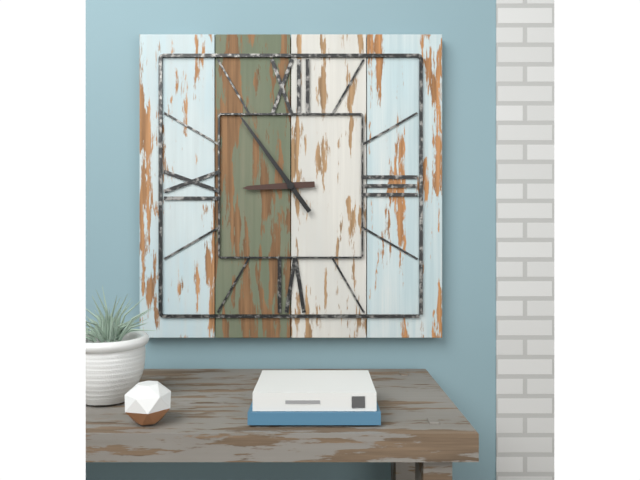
h=8 m=54
